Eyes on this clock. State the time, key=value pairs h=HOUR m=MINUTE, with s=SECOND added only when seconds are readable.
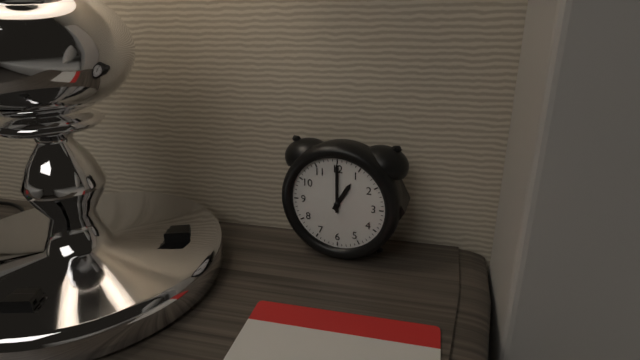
h=1 m=0
